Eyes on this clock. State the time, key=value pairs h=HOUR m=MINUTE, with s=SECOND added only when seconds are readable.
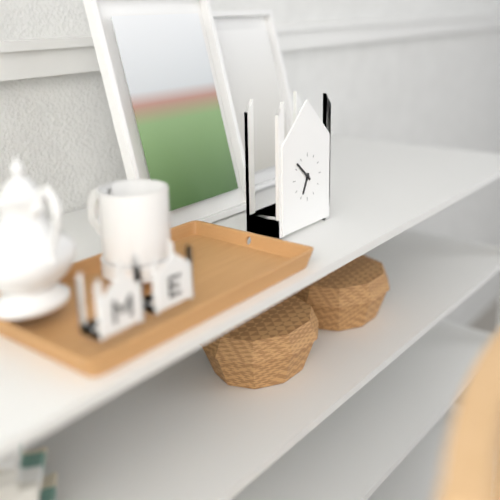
h=6 m=52
